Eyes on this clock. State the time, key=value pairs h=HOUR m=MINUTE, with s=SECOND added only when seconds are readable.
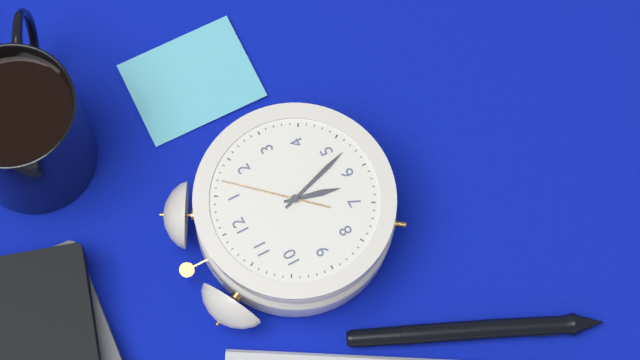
h=6 m=27 s=7
